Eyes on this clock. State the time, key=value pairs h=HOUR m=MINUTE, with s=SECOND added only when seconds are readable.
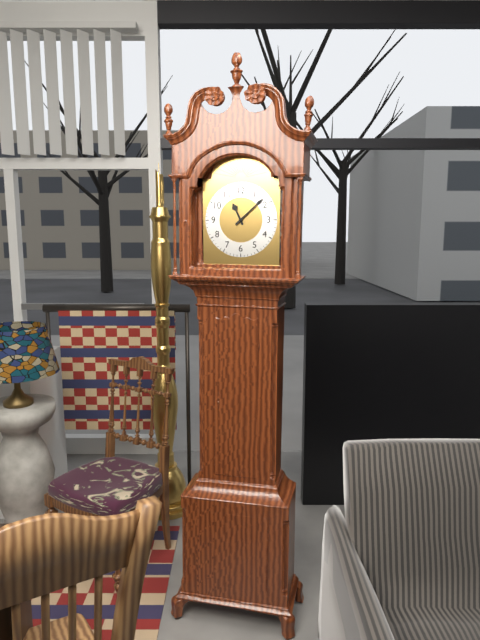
h=11 m=8
